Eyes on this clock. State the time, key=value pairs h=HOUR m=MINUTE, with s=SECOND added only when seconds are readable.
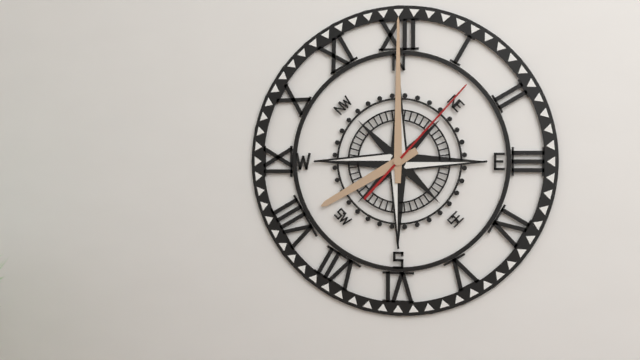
h=8 m=0 s=7
